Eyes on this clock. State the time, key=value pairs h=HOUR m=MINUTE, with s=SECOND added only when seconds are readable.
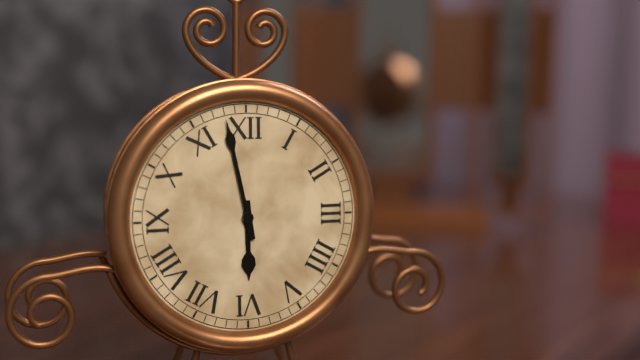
h=5 m=58
